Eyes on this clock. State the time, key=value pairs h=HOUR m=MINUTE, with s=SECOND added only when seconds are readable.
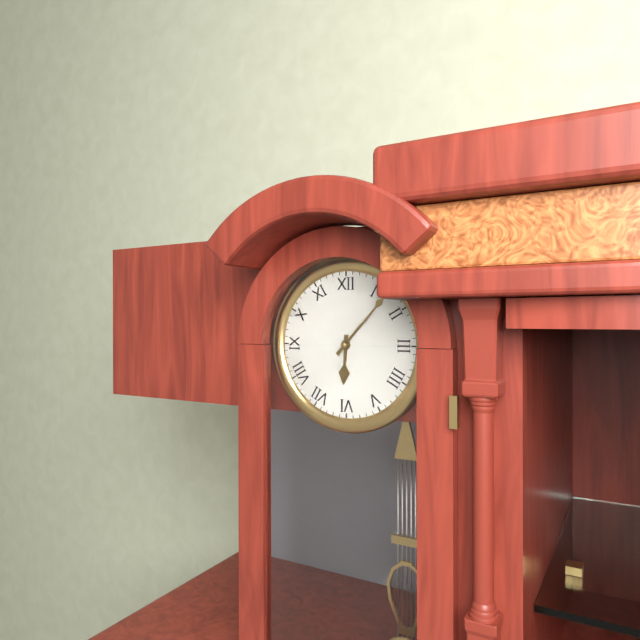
h=6 m=7
